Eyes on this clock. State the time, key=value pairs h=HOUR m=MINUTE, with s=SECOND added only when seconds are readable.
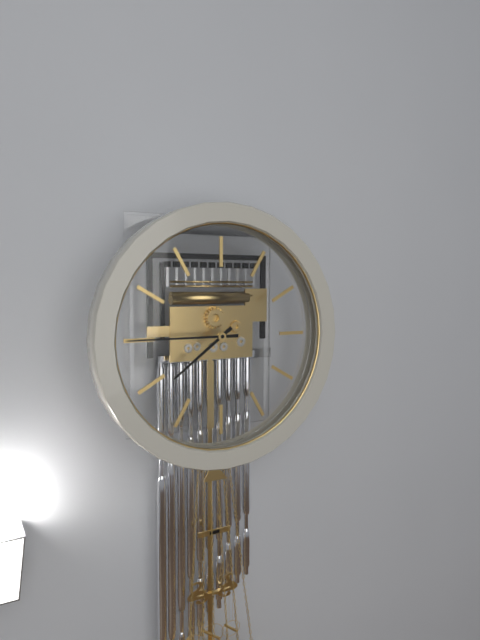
h=7 m=45
